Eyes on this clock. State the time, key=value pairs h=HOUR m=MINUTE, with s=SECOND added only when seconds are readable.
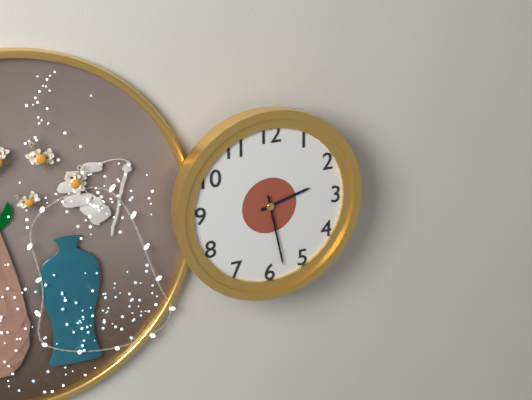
h=2 m=28
